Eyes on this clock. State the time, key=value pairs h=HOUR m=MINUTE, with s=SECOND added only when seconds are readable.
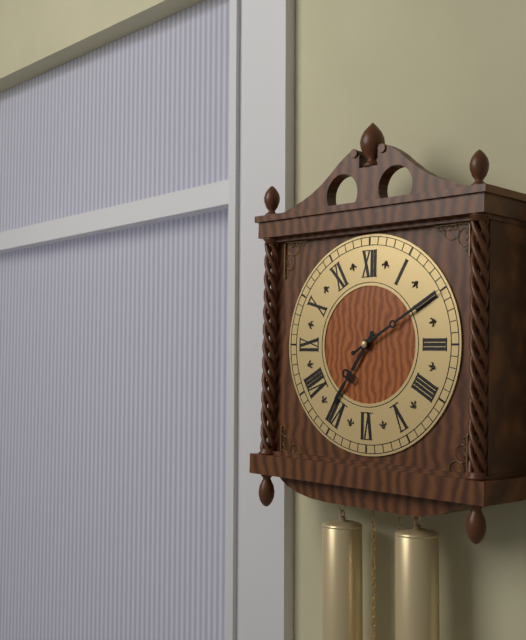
h=7 m=10
